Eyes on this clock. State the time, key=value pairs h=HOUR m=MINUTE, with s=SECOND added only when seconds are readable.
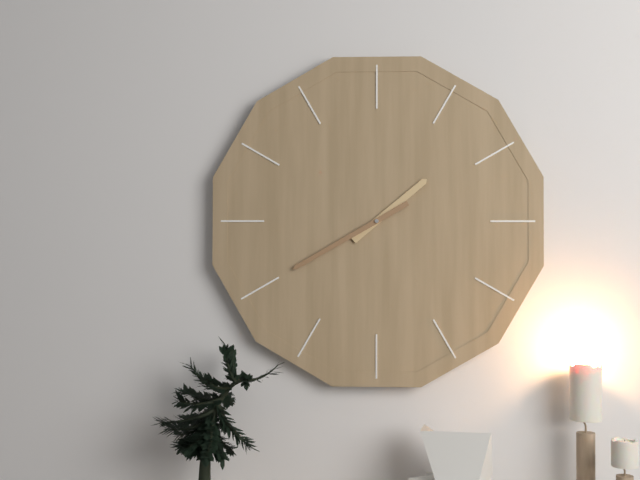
h=1 m=40
